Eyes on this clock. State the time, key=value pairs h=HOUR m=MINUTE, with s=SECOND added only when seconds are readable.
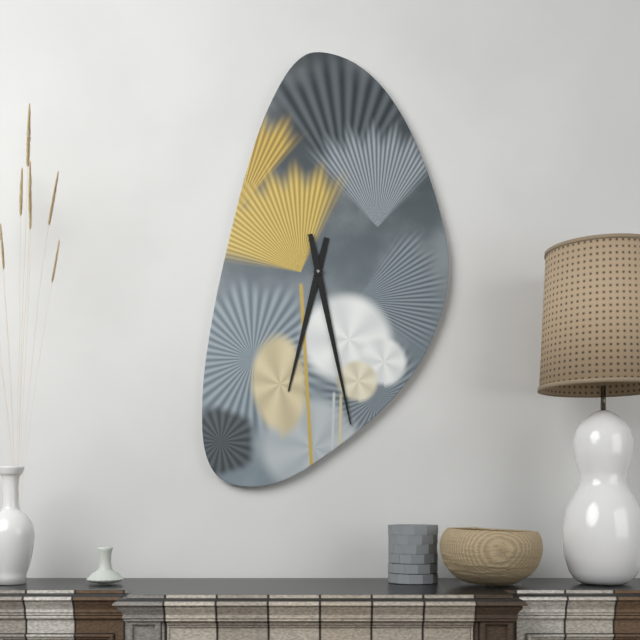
h=6 m=28
